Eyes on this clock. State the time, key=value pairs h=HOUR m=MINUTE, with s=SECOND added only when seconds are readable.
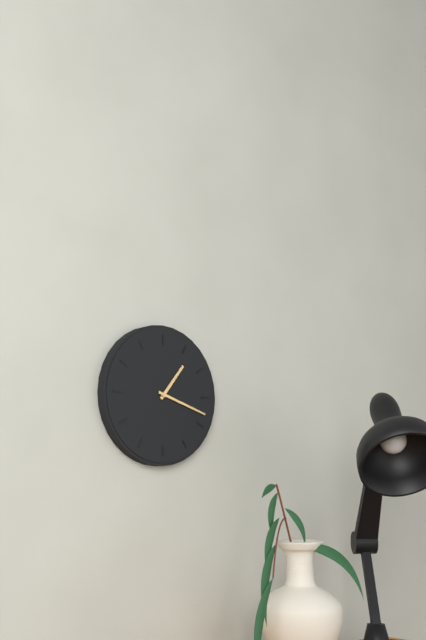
h=1 m=18
